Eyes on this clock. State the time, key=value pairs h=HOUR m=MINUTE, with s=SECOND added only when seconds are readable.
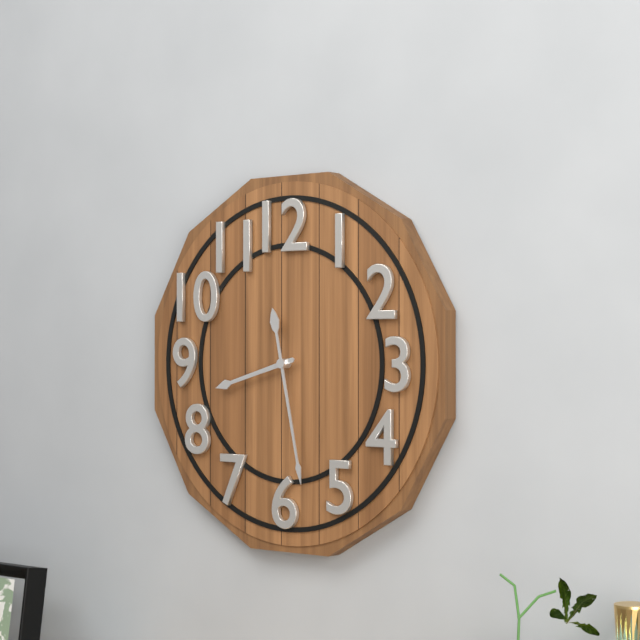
h=8 m=28
